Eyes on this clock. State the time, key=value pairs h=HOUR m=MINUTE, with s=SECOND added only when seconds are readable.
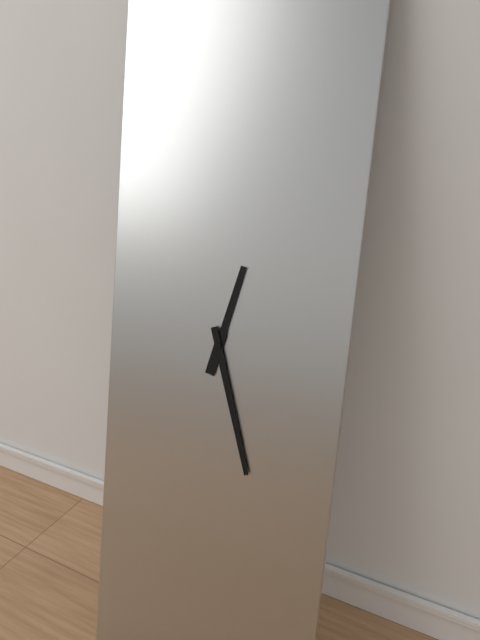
h=12 m=27
